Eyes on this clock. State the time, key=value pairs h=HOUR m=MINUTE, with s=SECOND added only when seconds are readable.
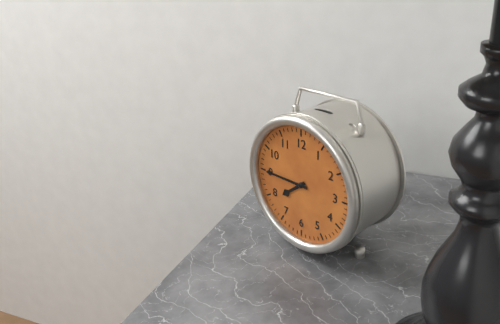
h=7 m=45
